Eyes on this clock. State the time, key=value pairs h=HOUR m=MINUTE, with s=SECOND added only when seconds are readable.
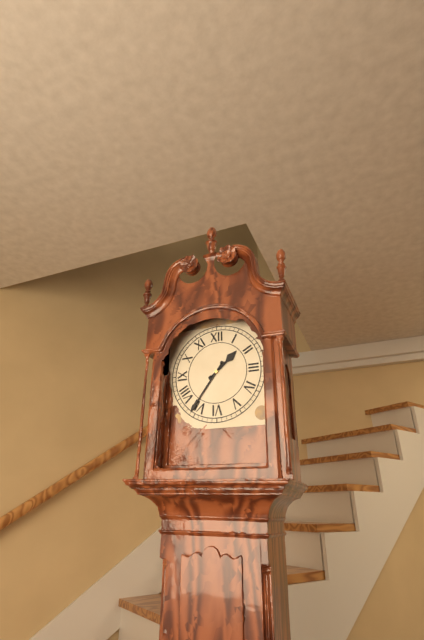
h=1 m=36
